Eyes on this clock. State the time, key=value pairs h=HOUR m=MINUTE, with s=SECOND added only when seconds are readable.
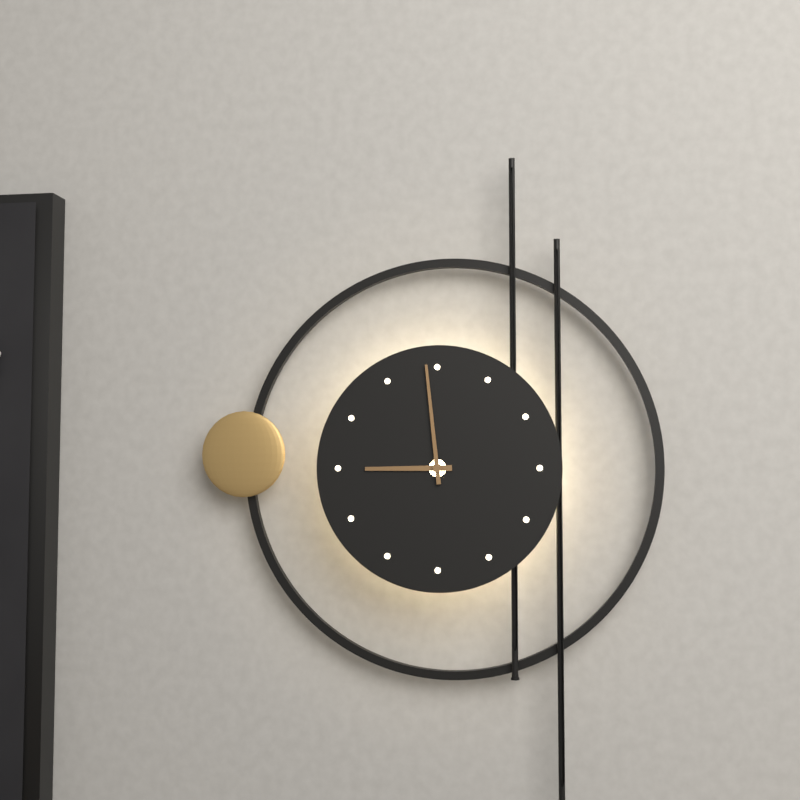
h=8 m=59
